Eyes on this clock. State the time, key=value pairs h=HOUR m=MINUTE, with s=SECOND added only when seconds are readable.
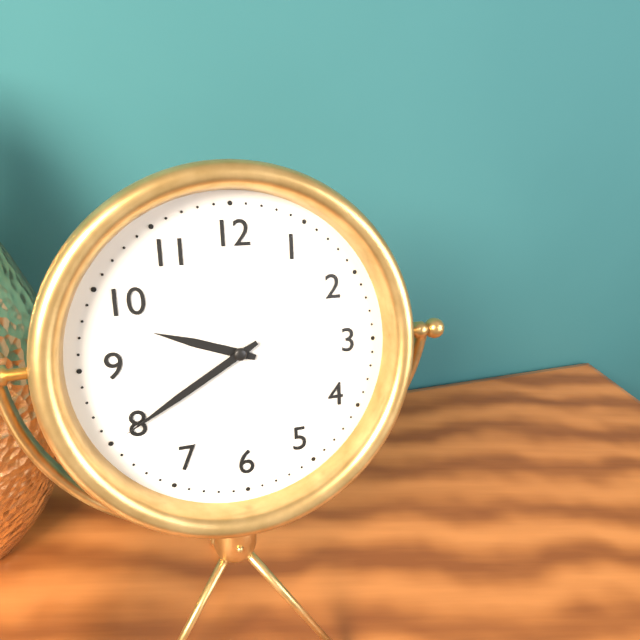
h=9 m=40
